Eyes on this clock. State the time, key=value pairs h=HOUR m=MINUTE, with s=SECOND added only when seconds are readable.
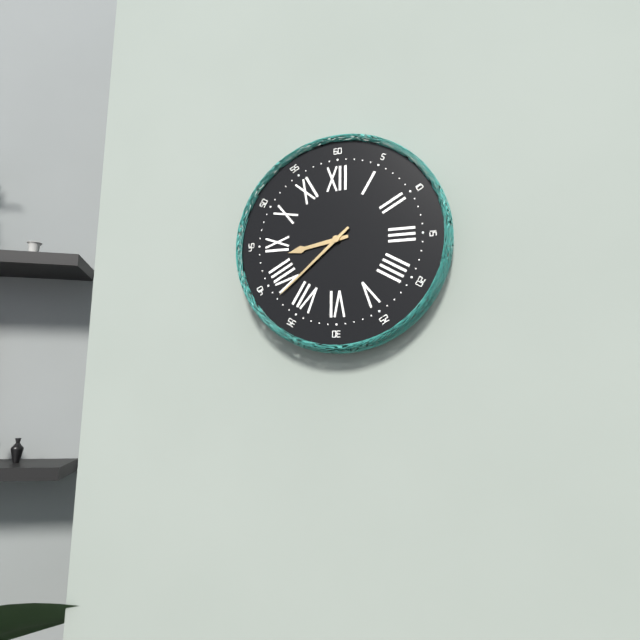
h=8 m=38
